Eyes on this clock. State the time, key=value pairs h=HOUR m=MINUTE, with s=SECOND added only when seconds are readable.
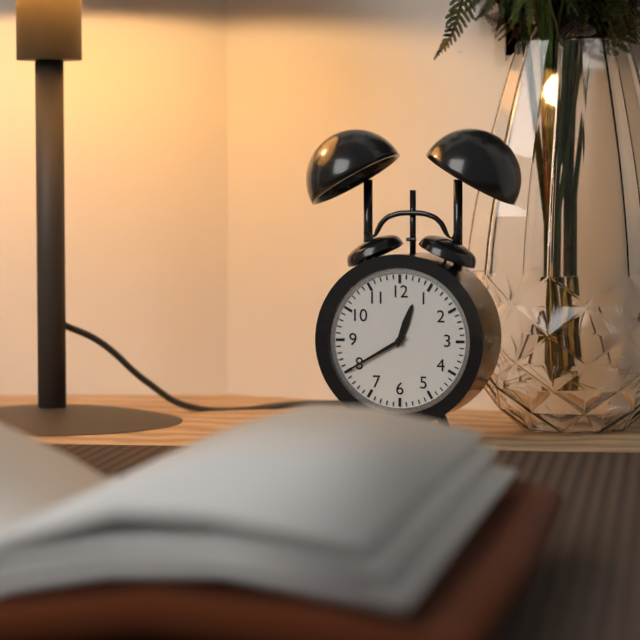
h=12 m=40
